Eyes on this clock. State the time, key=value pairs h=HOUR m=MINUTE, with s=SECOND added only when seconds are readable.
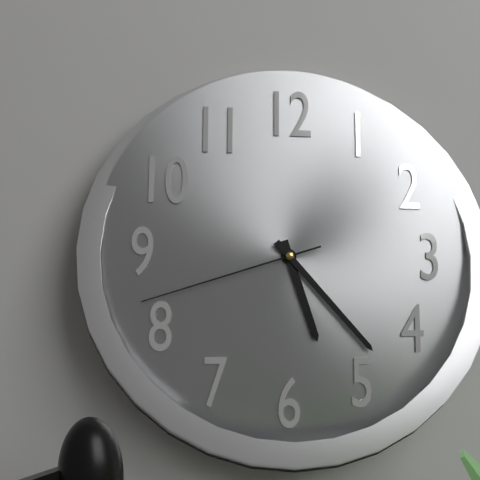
h=5 m=23 s=42
